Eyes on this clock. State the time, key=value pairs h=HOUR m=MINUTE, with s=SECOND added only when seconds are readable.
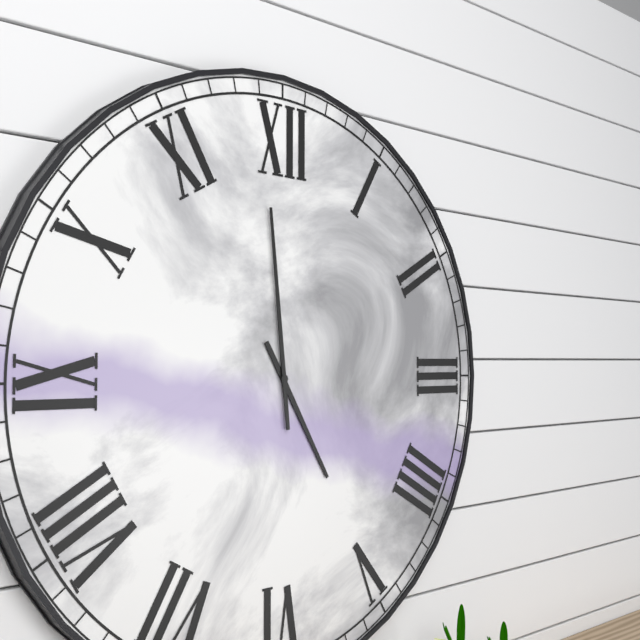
h=4 m=59
